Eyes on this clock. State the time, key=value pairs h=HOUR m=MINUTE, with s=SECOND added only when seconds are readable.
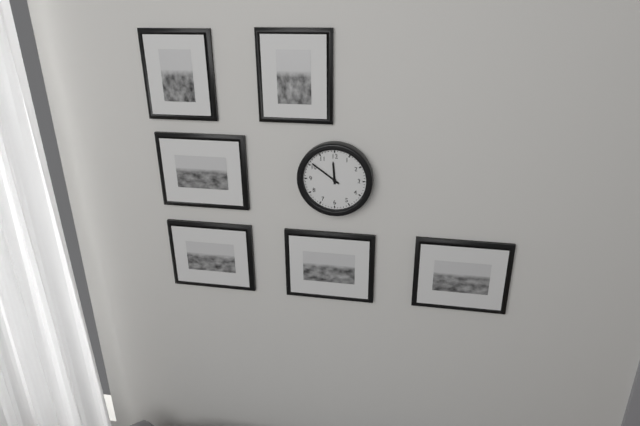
h=11 m=51
